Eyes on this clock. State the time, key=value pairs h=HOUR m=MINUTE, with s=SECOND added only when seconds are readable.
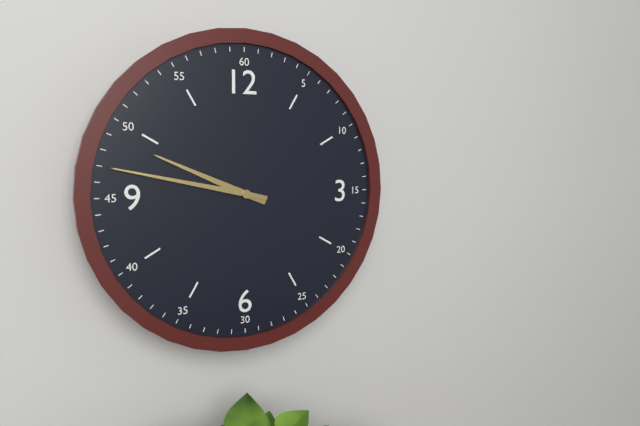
h=9 m=47
